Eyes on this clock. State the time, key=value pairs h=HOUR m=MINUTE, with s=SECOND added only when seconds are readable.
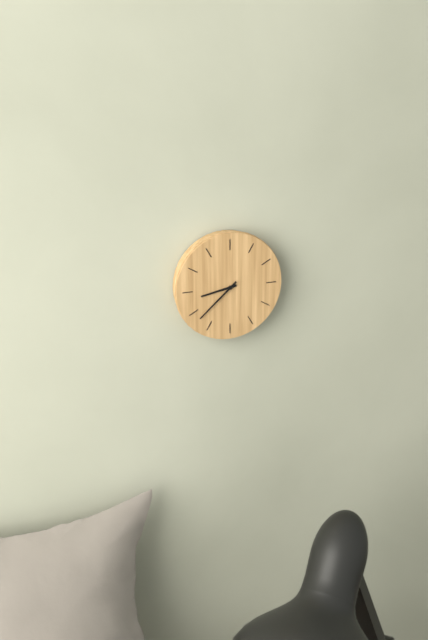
h=8 m=38
